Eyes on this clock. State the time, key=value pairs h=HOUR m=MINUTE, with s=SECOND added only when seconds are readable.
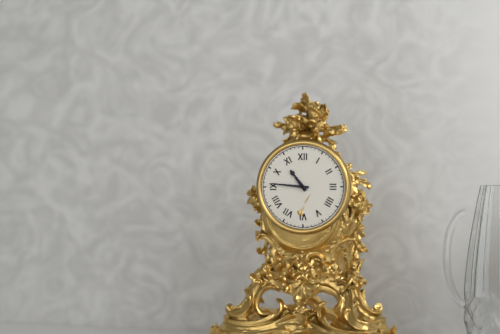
h=10 m=46
